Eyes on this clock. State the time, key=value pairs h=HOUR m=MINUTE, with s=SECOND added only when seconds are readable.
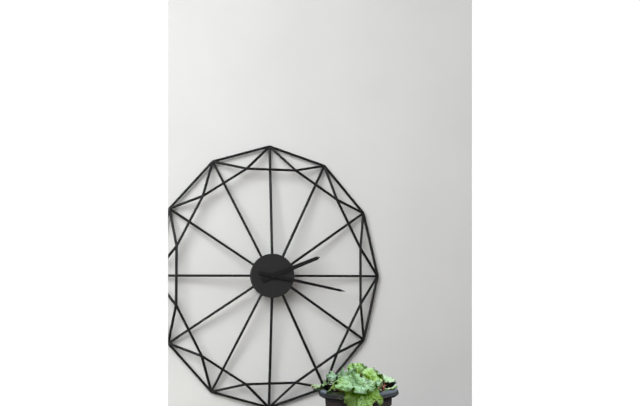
h=2 m=17
